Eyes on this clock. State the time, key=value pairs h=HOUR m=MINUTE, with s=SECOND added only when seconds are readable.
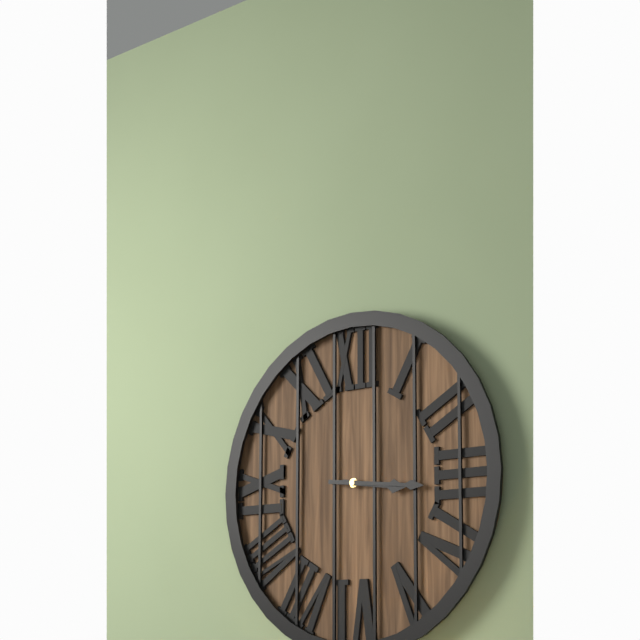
h=3 m=16
